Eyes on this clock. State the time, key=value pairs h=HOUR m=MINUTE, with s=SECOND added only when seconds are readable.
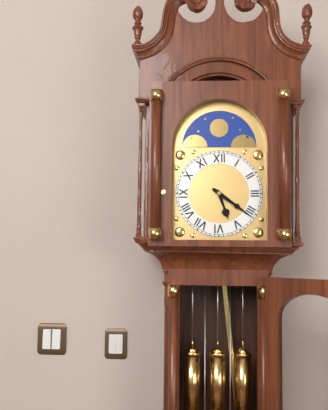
h=5 m=21
